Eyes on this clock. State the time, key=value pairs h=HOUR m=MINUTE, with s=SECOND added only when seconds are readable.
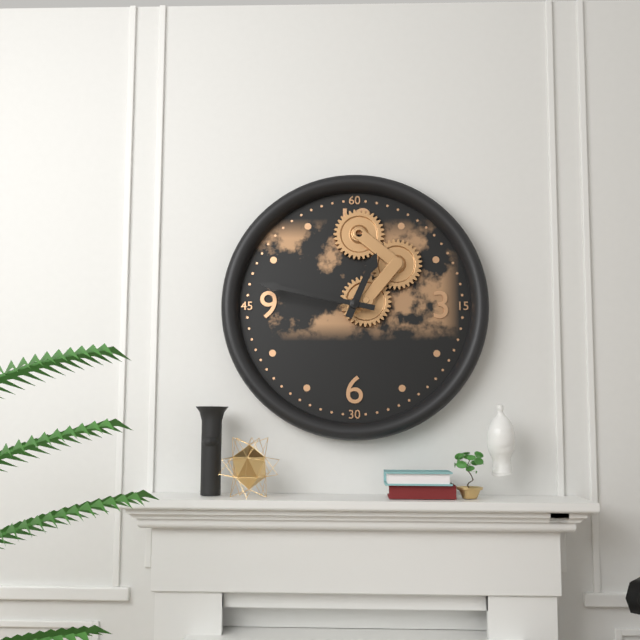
h=12 m=47
